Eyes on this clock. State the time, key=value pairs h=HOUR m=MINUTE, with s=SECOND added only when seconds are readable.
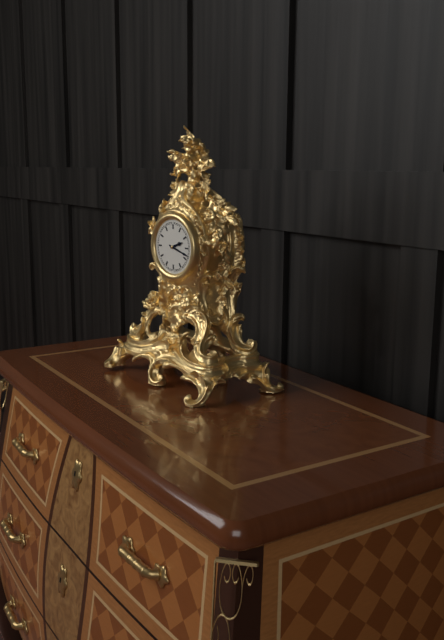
h=2 m=18
